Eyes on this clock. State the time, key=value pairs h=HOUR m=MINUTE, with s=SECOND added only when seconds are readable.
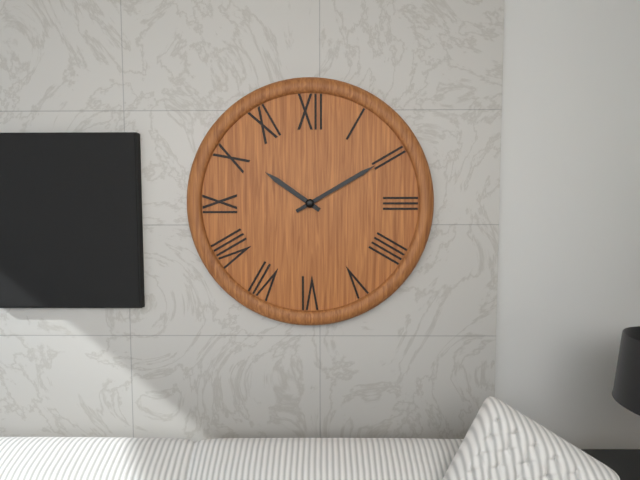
h=10 m=10
